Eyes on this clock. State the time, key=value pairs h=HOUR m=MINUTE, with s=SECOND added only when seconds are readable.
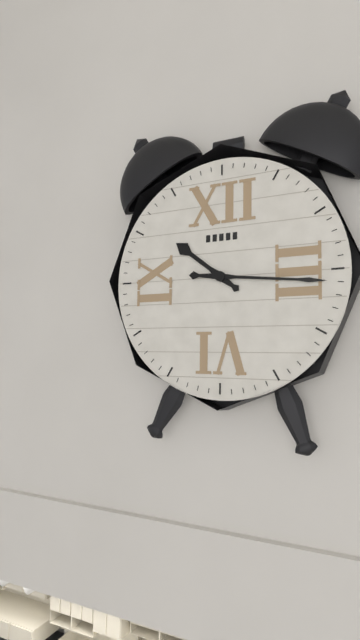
h=10 m=16
